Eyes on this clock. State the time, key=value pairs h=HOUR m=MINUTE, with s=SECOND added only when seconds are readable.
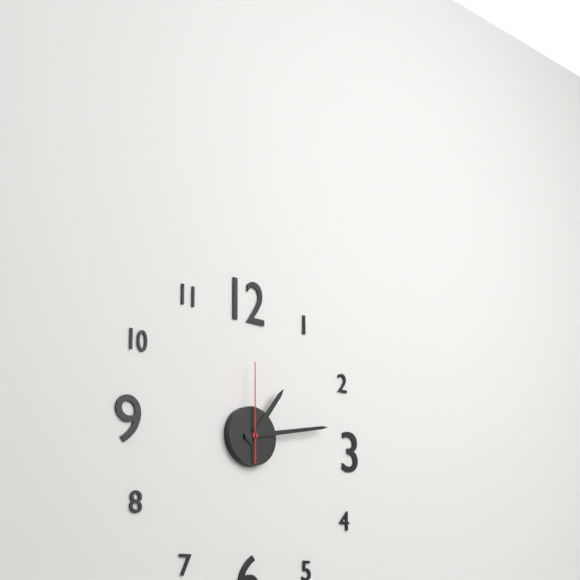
h=1 m=13 s=0
